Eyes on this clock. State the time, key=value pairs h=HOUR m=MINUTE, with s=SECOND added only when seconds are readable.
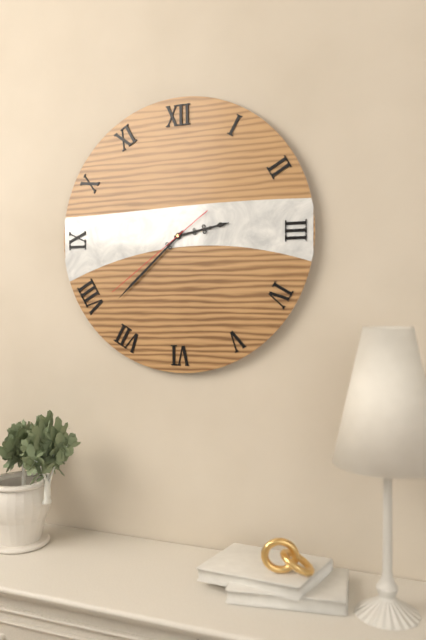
h=2 m=38 s=39
